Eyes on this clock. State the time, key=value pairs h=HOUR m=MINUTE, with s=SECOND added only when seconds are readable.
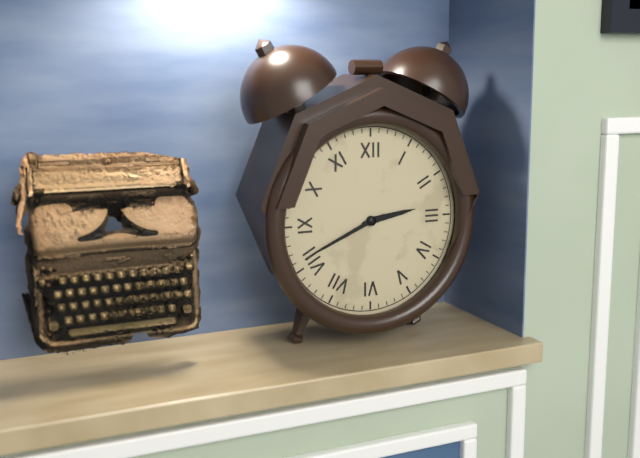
h=2 m=41
